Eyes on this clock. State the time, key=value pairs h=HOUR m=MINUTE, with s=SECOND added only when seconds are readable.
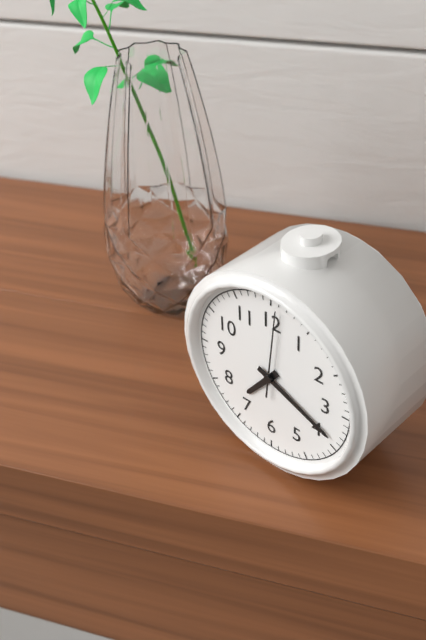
h=7 m=19 s=1
